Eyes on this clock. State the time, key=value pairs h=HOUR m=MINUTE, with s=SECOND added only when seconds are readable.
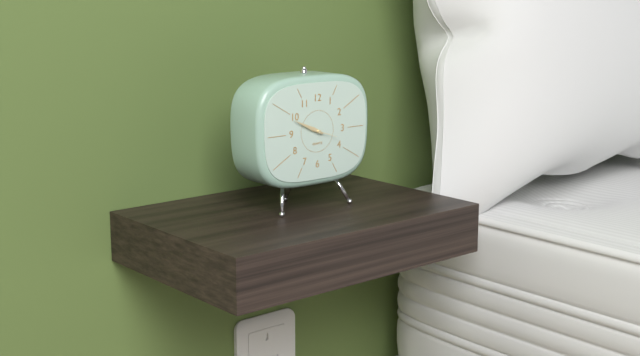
h=9 m=49
